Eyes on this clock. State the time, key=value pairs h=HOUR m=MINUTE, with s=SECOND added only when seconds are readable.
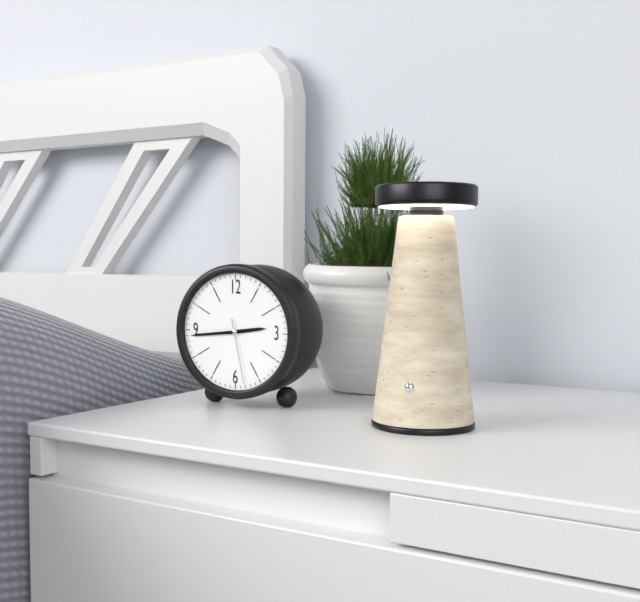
h=2 m=44 s=28
